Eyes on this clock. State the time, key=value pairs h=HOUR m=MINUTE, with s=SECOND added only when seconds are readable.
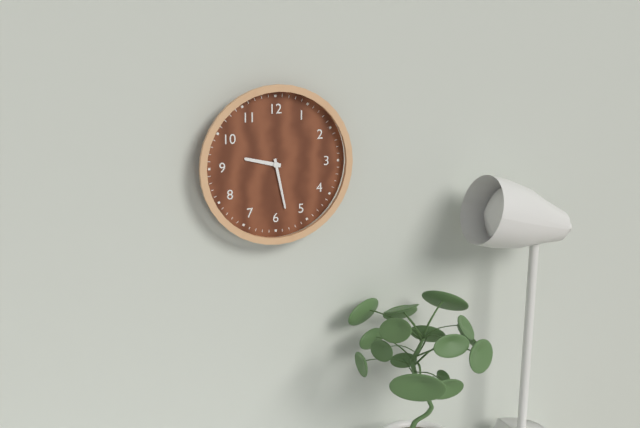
h=9 m=28
